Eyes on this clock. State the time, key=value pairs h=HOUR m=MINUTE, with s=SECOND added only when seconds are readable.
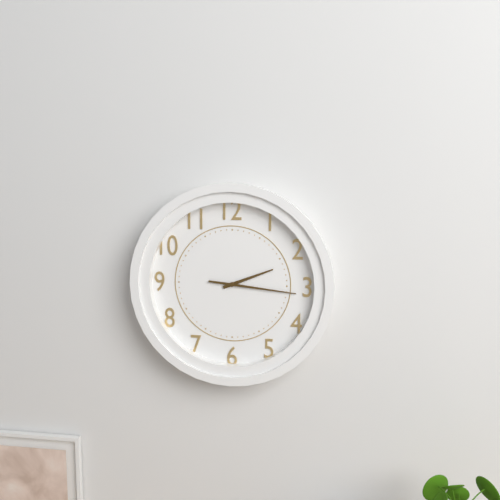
h=2 m=16
